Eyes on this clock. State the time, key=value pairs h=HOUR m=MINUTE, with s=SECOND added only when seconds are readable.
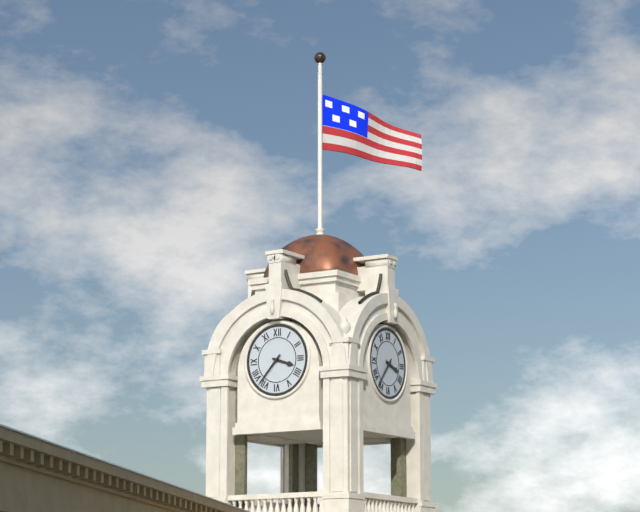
h=3 m=37
